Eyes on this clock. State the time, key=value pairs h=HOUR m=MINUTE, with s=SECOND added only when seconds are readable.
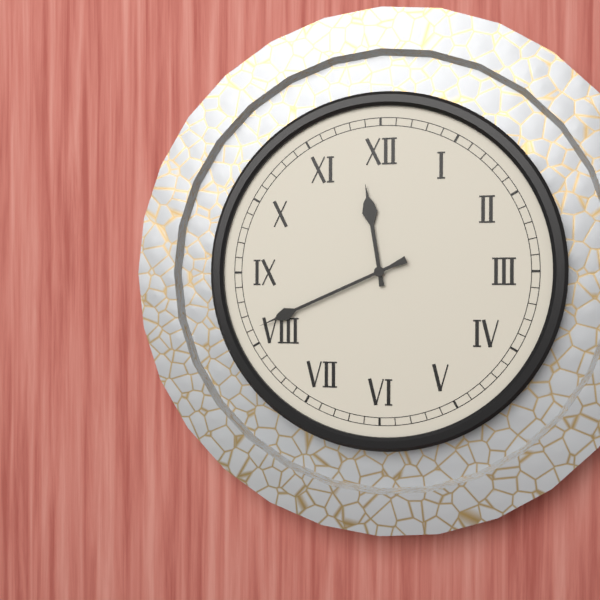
h=11 m=41
